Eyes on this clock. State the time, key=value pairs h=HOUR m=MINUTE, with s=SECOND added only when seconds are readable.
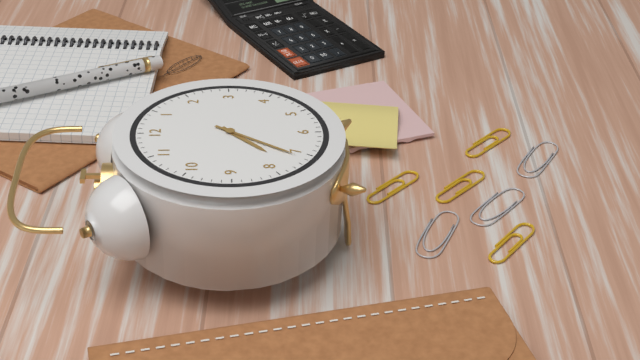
h=7 m=36
